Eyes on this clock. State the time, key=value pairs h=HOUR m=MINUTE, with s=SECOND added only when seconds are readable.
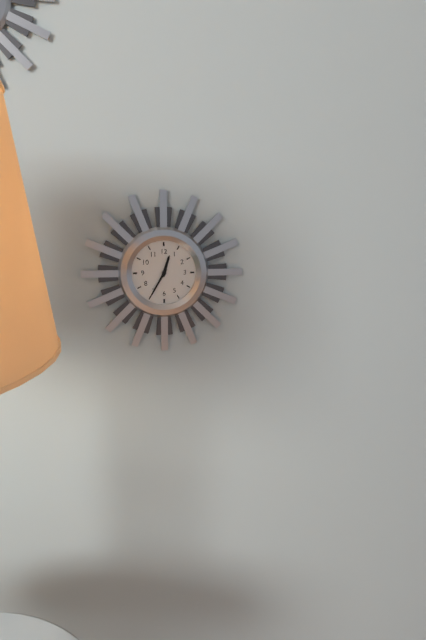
h=12 m=35
